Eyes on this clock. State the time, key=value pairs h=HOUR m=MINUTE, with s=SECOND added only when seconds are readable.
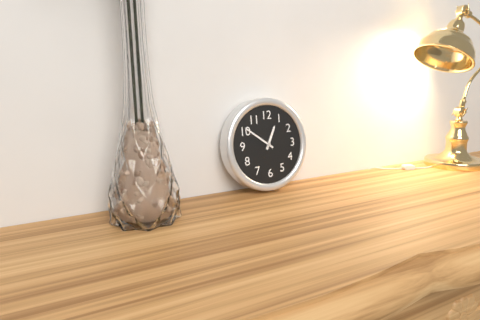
h=12 m=51
